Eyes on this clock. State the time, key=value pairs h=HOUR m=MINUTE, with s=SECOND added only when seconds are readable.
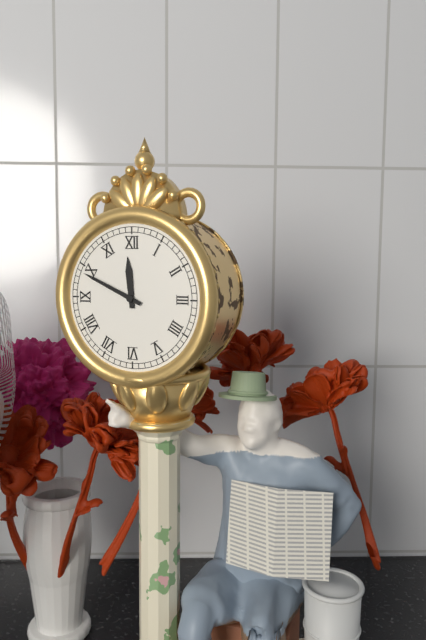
h=11 m=49
